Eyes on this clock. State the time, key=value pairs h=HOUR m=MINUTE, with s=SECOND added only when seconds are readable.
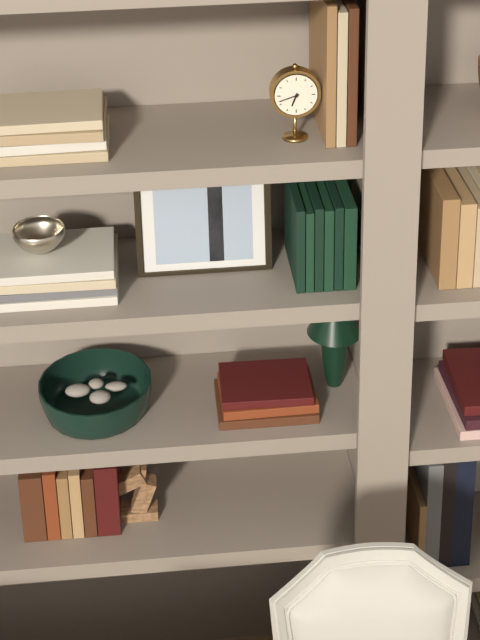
h=6 m=42
